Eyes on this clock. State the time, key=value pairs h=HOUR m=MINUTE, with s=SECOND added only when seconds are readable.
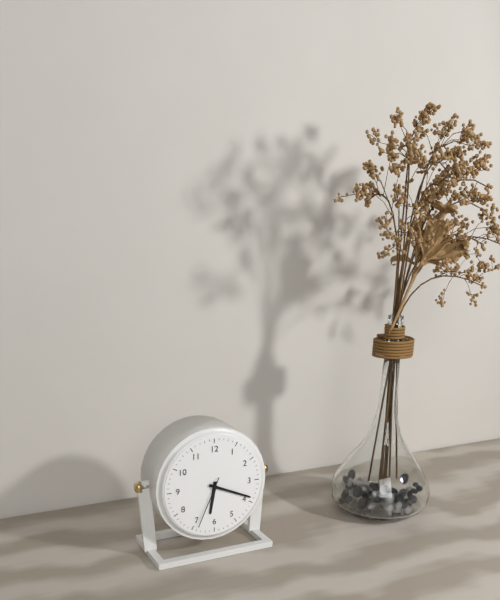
h=6 m=19 s=34
